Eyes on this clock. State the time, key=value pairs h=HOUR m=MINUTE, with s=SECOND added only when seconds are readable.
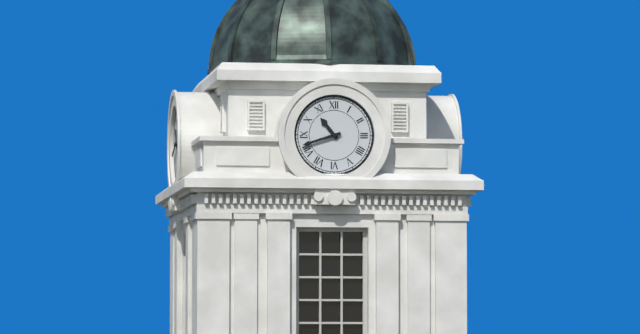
h=10 m=42
